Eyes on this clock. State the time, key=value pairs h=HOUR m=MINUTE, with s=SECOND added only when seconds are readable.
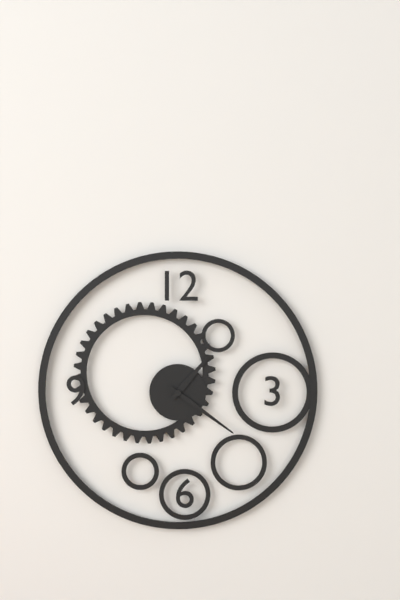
h=1 m=21
